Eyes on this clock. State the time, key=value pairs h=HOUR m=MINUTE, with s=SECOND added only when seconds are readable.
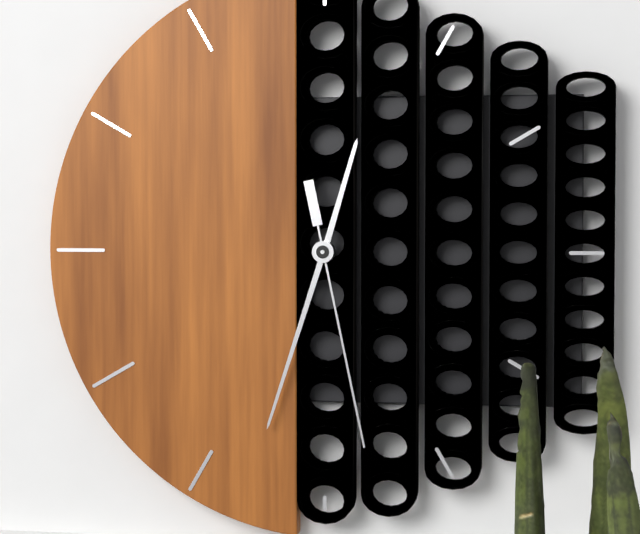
h=12 m=33 s=28
